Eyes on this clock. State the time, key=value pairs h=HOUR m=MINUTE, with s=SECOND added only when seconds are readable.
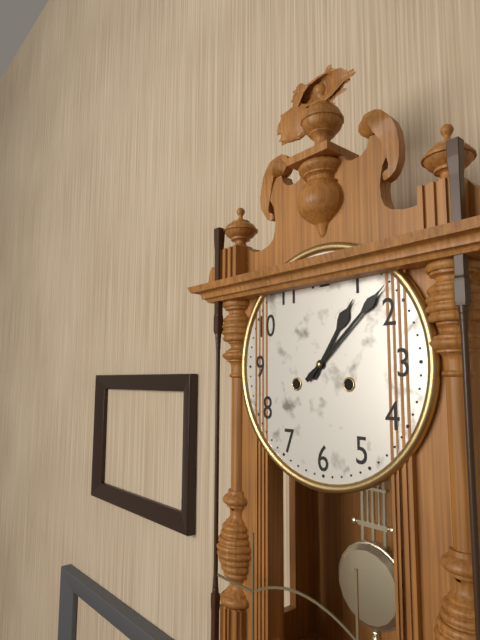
h=1 m=8
